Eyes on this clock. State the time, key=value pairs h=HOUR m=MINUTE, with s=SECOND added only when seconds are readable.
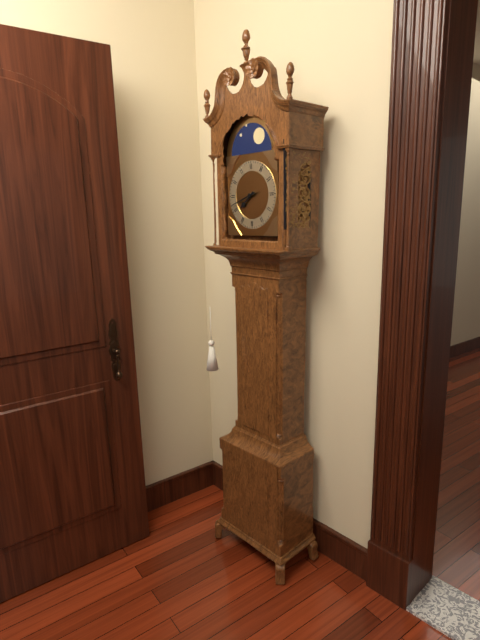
h=7 m=42
